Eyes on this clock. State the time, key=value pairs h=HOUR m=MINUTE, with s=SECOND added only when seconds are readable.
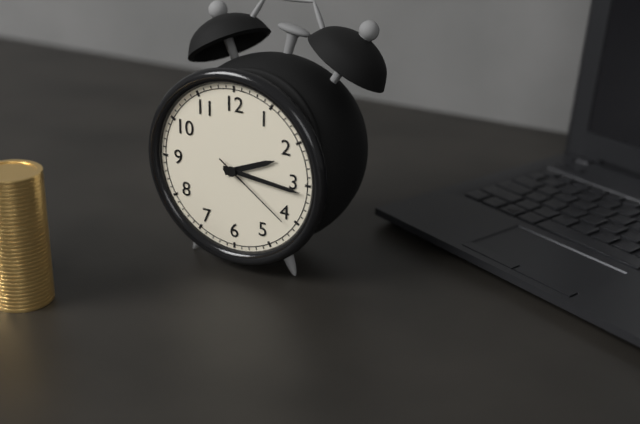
h=2 m=16 s=21
